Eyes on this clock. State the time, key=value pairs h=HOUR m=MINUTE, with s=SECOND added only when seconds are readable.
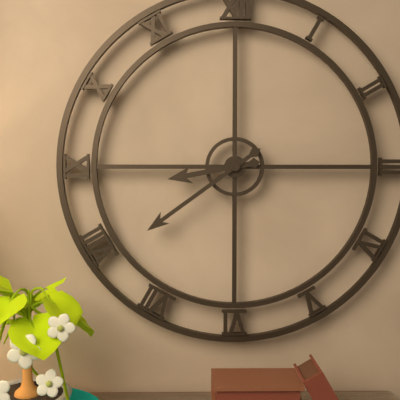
h=8 m=39
